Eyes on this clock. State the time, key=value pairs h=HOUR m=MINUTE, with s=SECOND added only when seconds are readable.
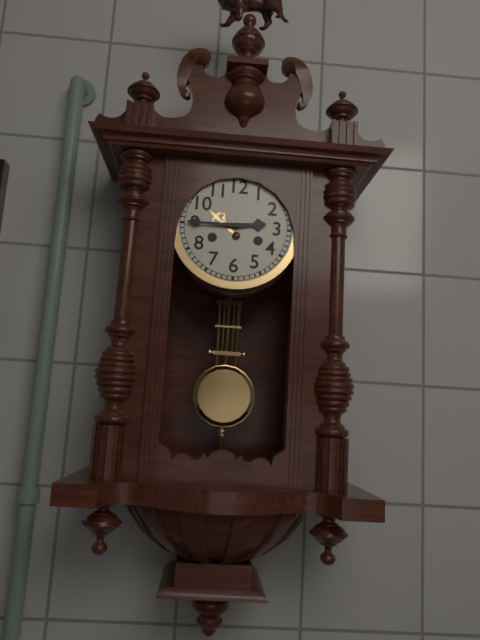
h=2 m=45
